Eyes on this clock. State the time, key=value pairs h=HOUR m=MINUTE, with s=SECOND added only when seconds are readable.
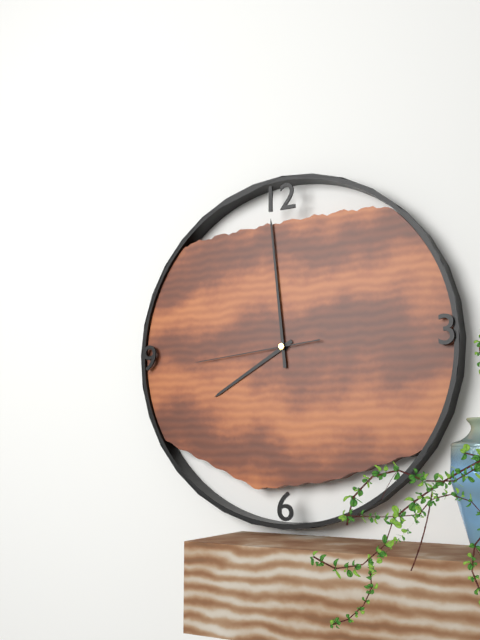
h=7 m=59 s=44
